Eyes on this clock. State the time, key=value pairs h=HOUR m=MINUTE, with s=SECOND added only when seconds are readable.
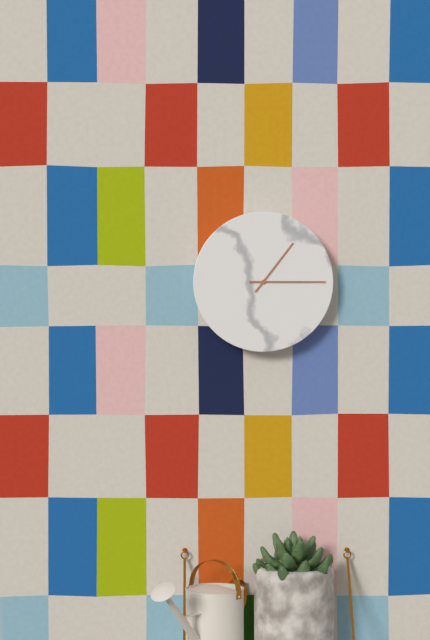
h=1 m=15
